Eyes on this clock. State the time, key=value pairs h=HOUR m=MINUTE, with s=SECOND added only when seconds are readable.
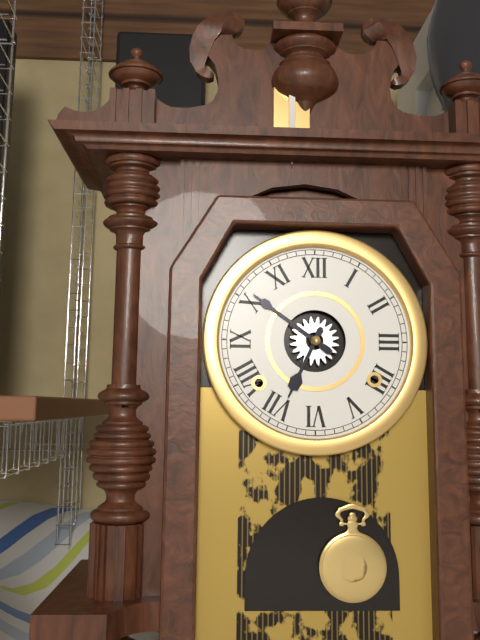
h=6 m=51
